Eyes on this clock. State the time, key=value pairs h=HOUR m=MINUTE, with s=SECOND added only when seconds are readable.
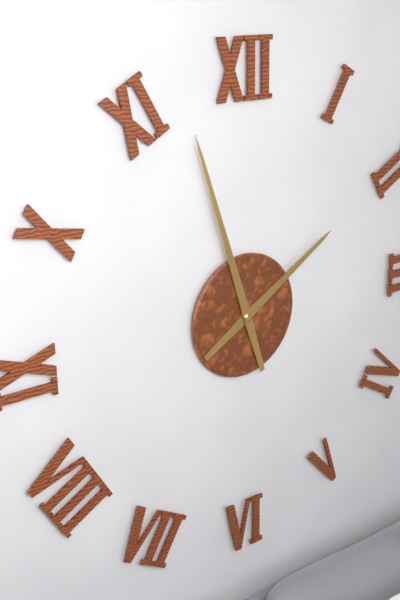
h=1 m=57
